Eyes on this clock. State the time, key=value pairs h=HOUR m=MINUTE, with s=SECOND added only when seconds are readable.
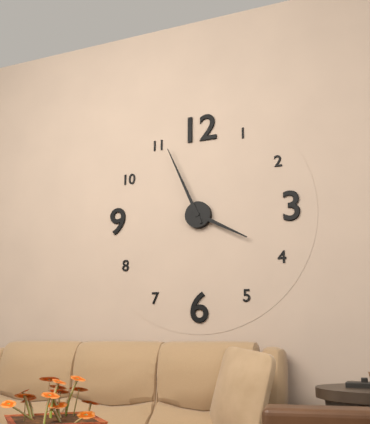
h=3 m=56
